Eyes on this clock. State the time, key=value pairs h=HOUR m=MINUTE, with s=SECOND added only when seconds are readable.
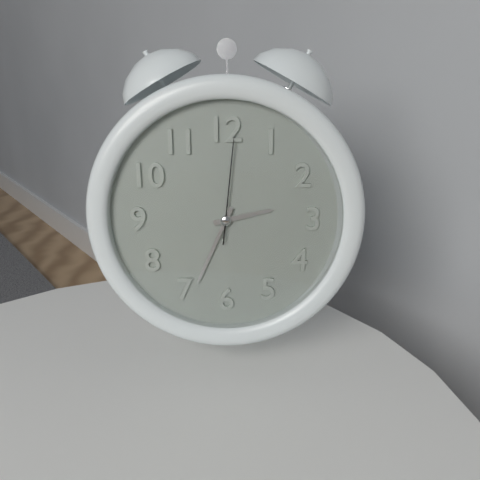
h=2 m=34 s=1
